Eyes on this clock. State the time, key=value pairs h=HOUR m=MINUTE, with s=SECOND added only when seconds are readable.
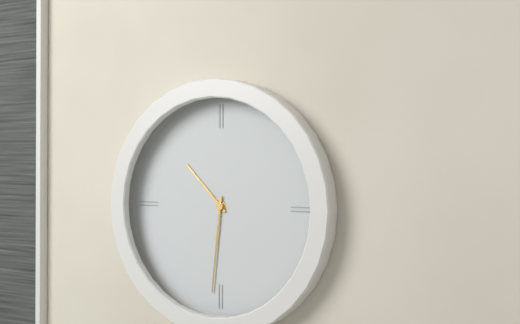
h=10 m=31
